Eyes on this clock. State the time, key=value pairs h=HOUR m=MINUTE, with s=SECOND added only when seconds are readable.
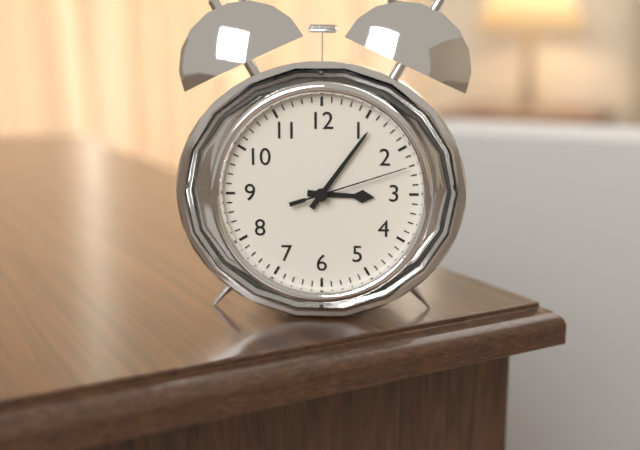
h=3 m=6 s=12
